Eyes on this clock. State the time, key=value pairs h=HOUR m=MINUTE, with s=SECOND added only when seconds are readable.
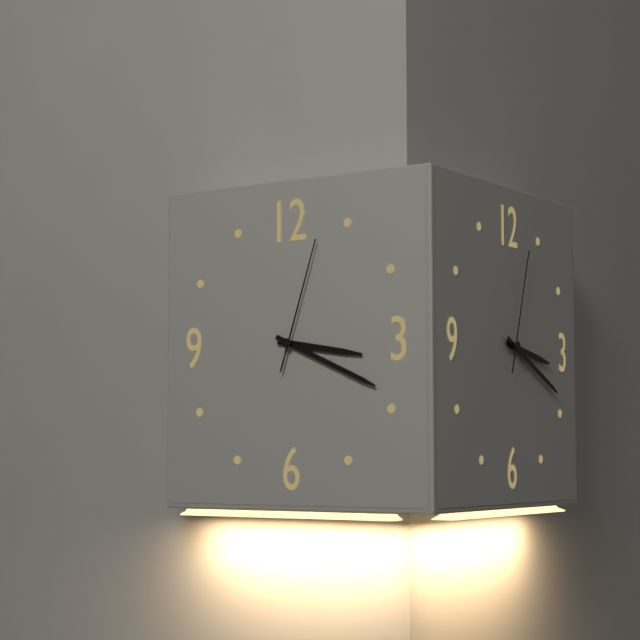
h=3 m=19 s=3
